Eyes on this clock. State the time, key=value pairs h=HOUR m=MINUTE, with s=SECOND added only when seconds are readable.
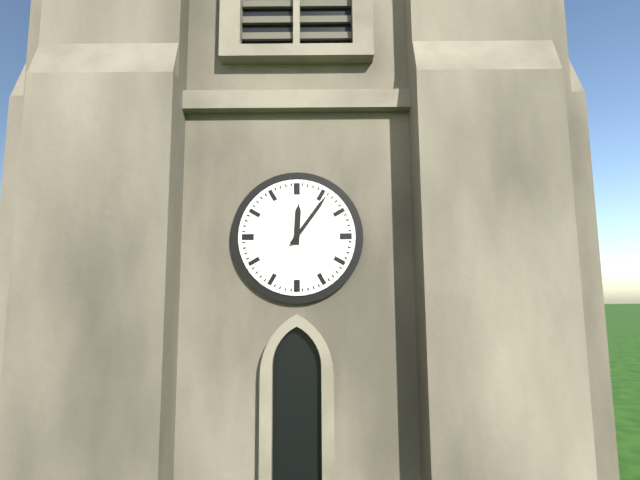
h=12 m=6
